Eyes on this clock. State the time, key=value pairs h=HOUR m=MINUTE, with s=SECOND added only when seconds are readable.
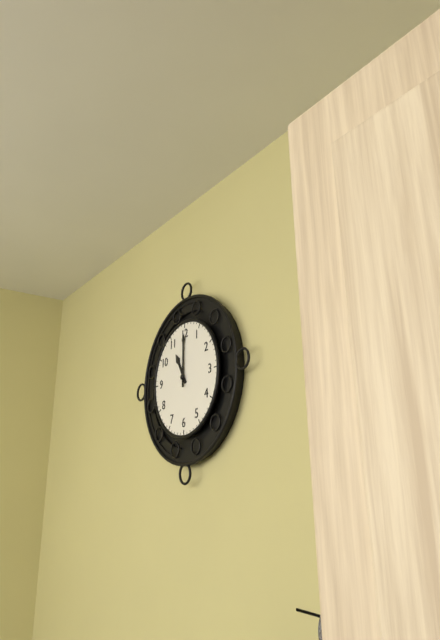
h=11 m=0
